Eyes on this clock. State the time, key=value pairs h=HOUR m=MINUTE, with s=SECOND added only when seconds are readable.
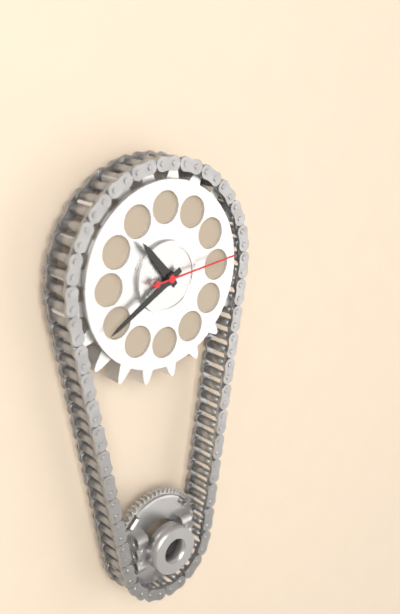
h=10 m=40 s=14
